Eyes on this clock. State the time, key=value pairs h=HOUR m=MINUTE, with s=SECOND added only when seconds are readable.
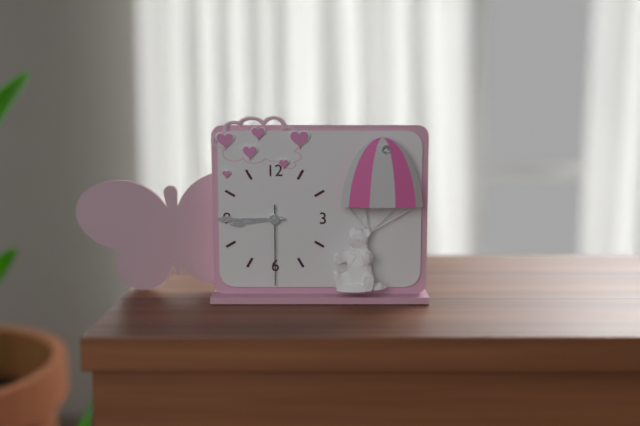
h=8 m=45 s=30
